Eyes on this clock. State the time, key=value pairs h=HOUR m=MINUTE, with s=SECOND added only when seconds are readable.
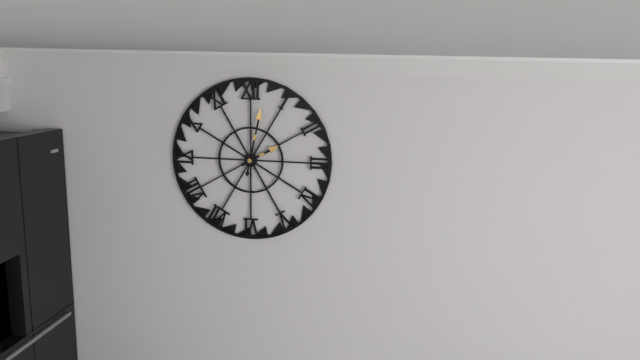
h=2 m=2
